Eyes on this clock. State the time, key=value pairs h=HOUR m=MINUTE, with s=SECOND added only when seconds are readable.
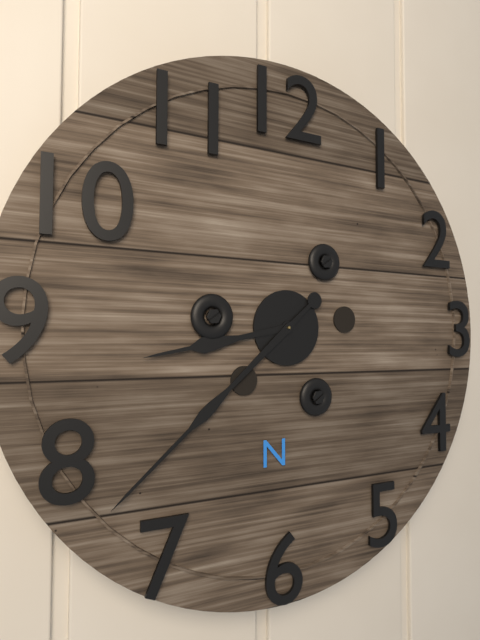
h=8 m=38
